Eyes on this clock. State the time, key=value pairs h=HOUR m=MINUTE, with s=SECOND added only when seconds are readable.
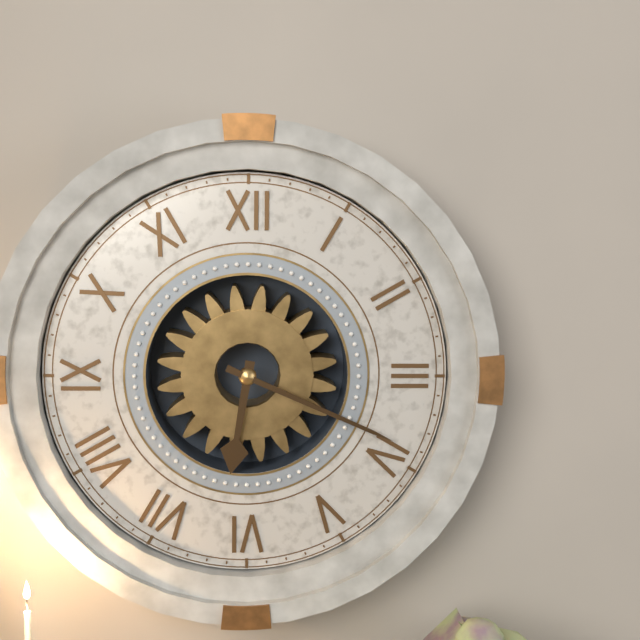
h=6 m=19
